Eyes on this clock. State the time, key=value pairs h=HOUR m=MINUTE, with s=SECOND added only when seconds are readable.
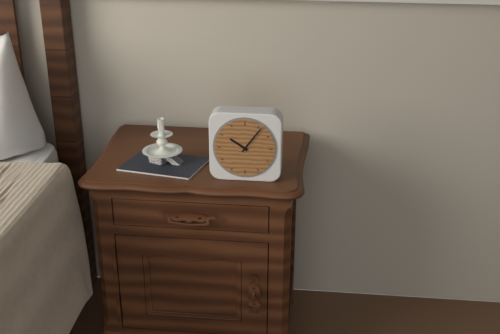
h=10 m=6
